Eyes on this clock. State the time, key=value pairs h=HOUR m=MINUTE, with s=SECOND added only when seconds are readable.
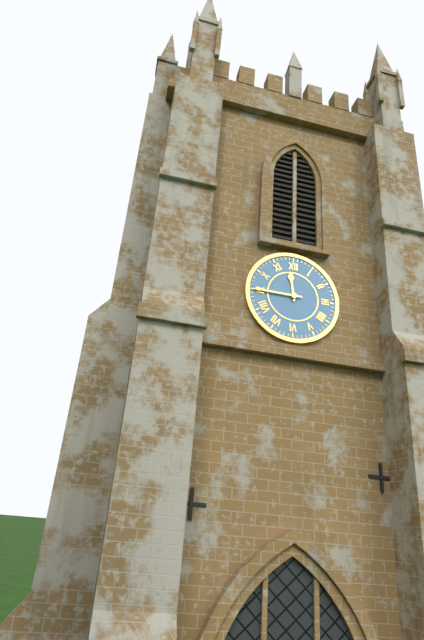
h=11 m=45
